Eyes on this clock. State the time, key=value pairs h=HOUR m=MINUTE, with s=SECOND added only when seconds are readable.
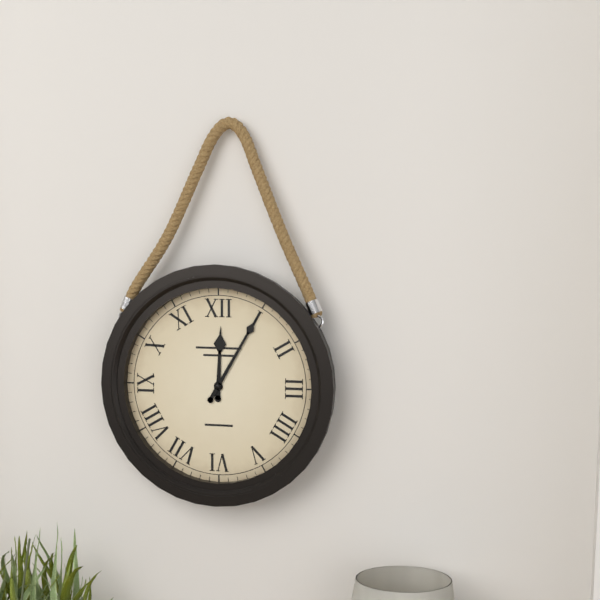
h=12 m=5
